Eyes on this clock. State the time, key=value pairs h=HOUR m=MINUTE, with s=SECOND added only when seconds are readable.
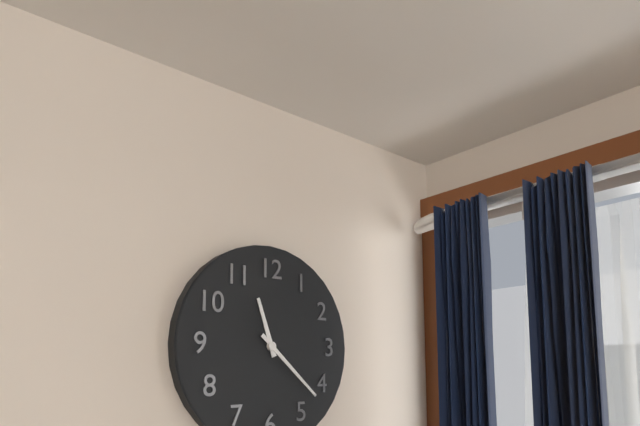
h=11 m=22
